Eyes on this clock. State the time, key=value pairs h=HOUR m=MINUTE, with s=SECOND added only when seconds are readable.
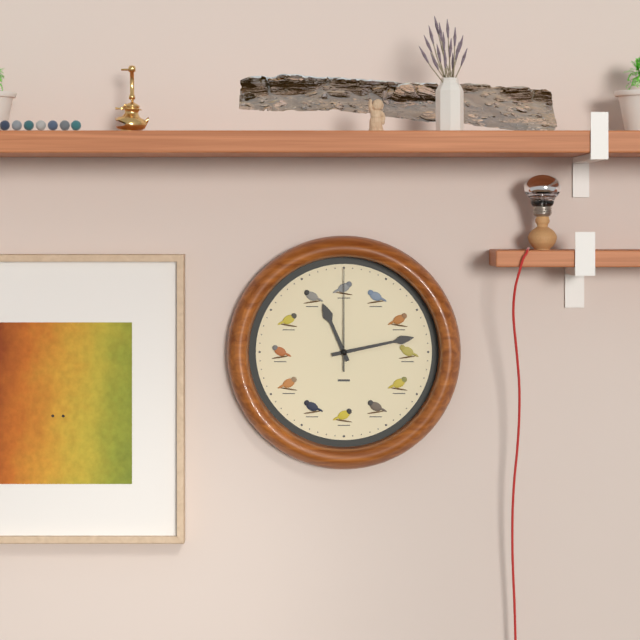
h=11 m=13 s=0
